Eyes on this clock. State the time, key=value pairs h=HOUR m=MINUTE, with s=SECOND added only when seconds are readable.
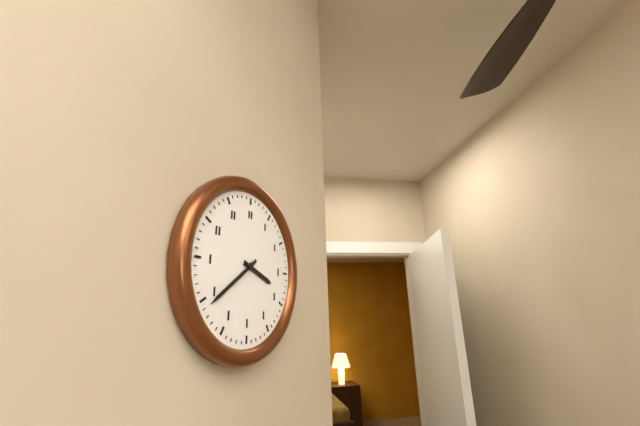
h=3 m=39
